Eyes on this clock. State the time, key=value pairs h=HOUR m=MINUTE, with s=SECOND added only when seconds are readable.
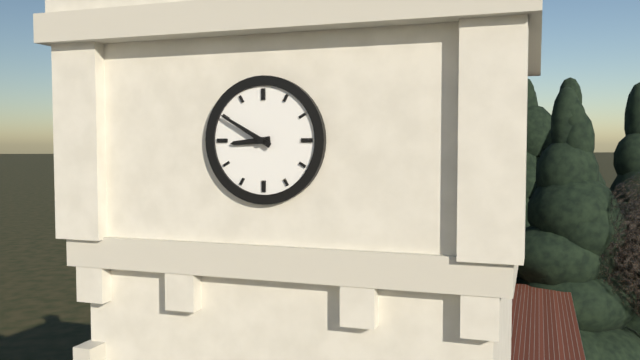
h=8 m=50
